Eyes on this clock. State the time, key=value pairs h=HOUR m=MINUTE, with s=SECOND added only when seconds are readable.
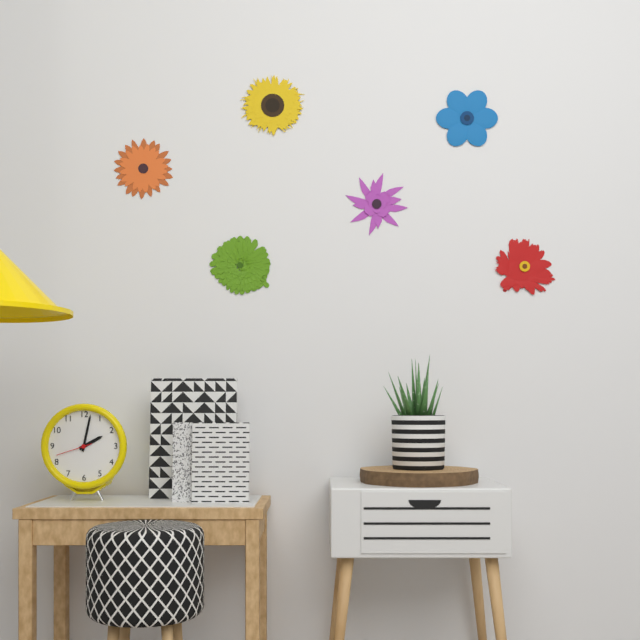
h=2 m=2
